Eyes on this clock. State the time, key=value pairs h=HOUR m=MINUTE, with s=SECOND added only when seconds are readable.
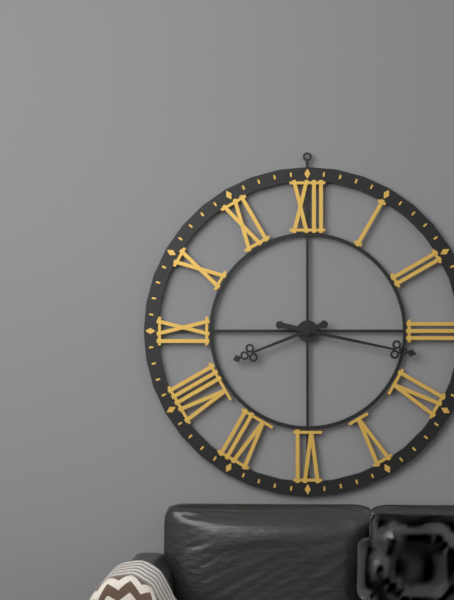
h=8 m=17
